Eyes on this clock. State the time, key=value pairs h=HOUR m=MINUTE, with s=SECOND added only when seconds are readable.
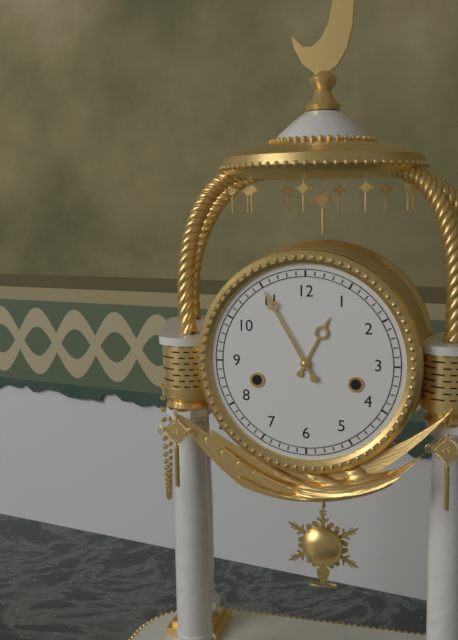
h=12 m=55
